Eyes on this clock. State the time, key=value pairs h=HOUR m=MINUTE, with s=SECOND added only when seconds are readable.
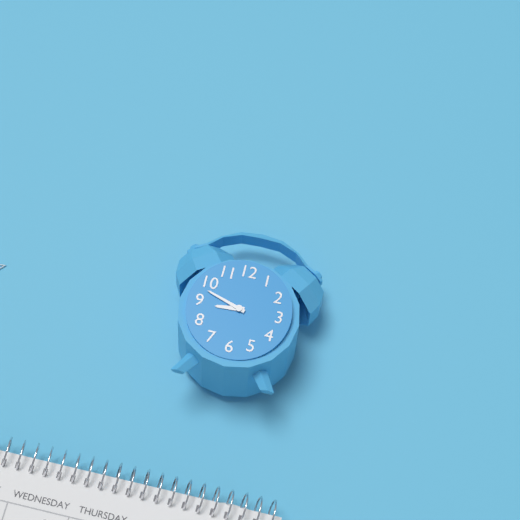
h=8 m=48
